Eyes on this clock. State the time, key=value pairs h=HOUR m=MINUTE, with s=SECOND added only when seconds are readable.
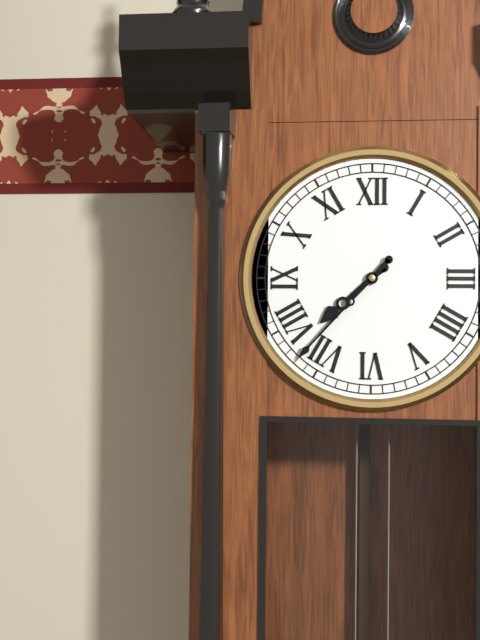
h=7 m=37
